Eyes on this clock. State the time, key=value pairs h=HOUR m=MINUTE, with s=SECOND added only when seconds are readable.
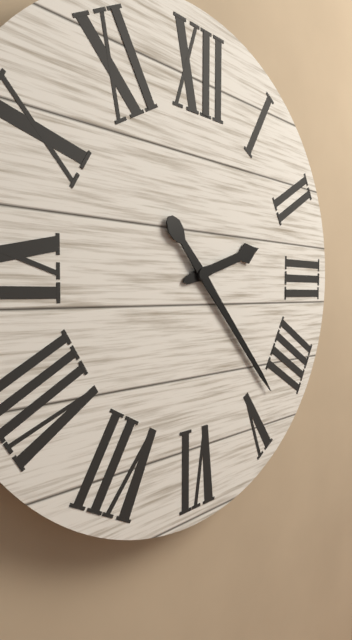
h=2 m=23
